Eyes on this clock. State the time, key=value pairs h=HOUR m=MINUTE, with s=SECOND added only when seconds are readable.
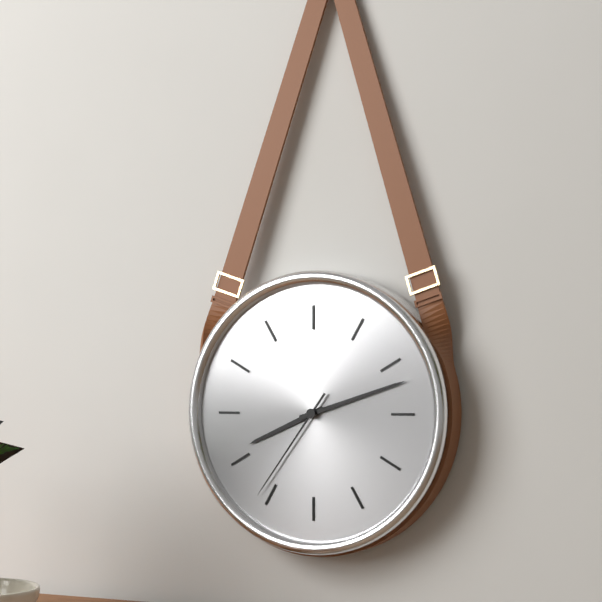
h=8 m=12 s=36
